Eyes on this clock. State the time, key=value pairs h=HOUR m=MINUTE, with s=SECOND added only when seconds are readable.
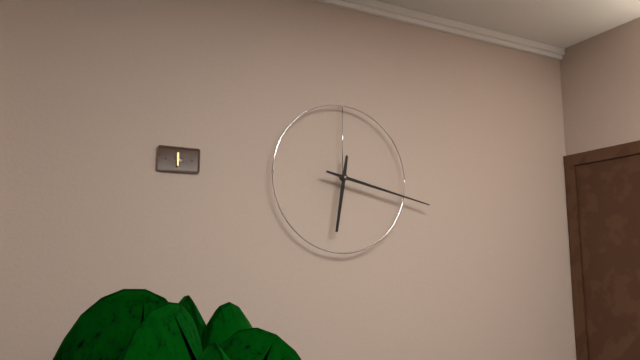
h=6 m=17
